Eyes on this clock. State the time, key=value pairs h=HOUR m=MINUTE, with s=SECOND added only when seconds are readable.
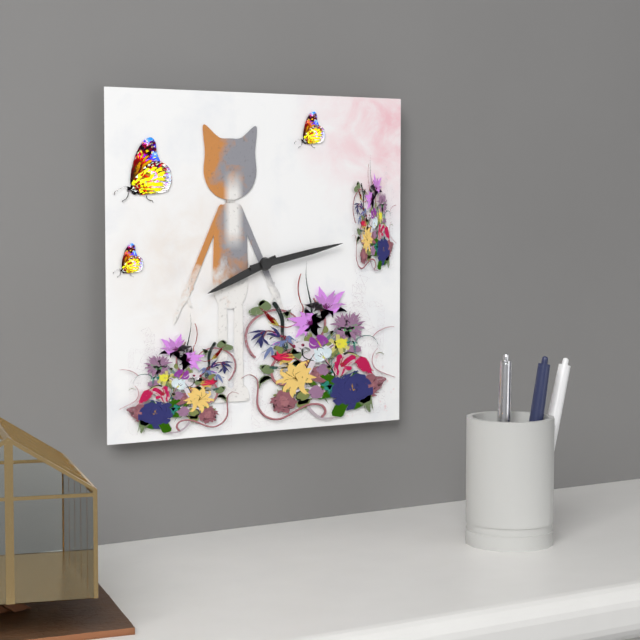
h=8 m=13
